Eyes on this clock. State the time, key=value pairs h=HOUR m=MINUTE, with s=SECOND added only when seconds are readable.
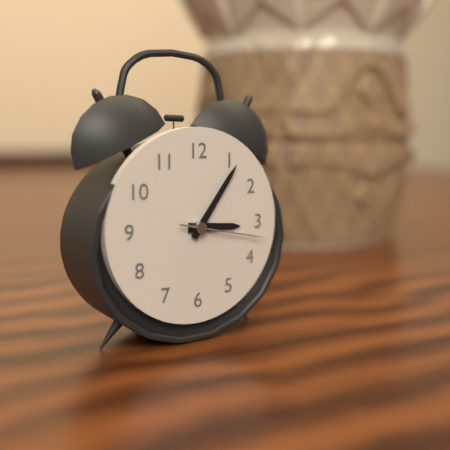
h=3 m=6 s=17
